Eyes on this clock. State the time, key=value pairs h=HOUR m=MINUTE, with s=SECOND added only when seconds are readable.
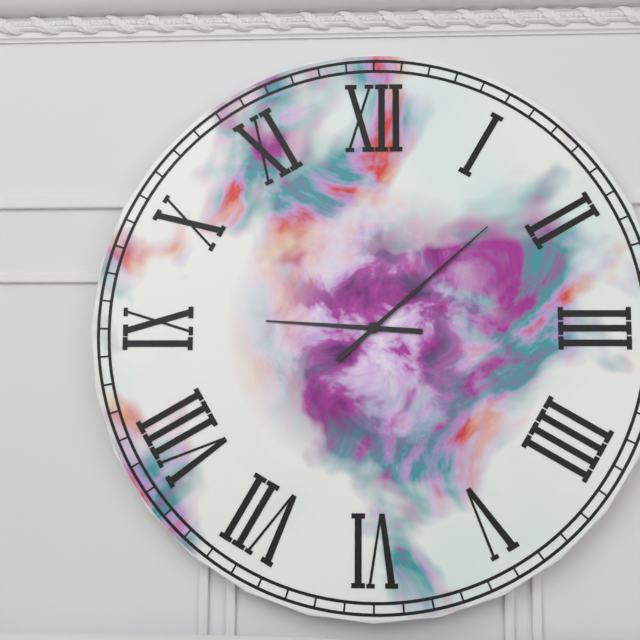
h=9 m=8
